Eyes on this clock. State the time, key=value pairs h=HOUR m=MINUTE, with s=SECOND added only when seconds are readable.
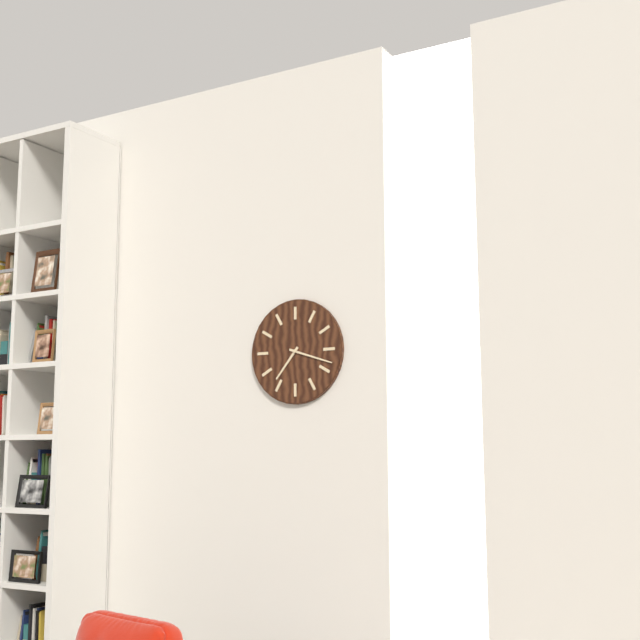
h=7 m=18
